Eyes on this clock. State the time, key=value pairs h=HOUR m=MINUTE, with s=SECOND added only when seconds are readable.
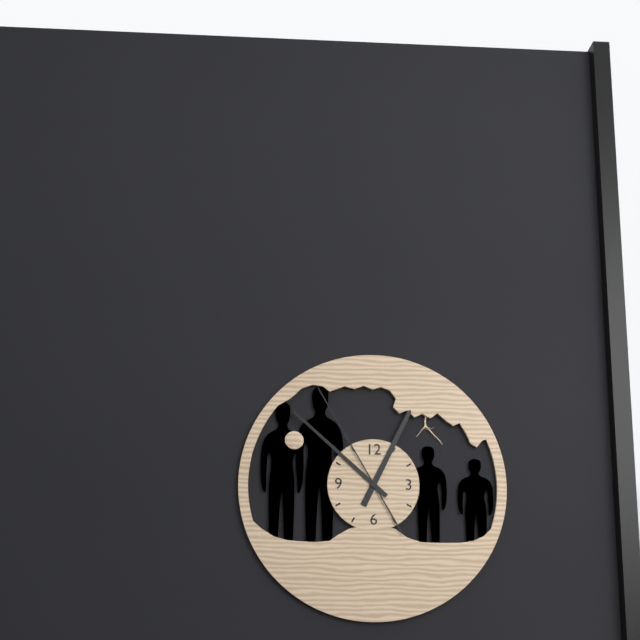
h=12 m=52 s=55
